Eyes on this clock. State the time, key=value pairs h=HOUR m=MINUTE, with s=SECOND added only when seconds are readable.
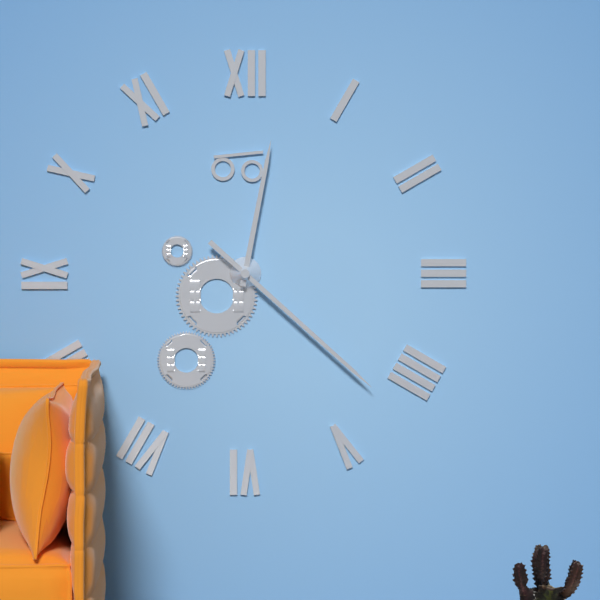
h=12 m=22
